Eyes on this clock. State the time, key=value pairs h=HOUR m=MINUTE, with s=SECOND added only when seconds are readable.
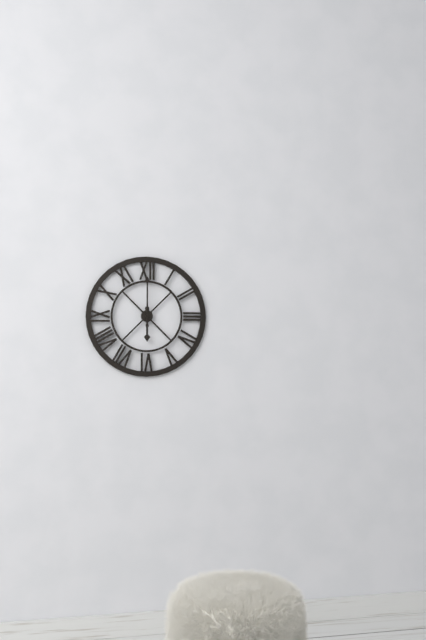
h=6 m=0
